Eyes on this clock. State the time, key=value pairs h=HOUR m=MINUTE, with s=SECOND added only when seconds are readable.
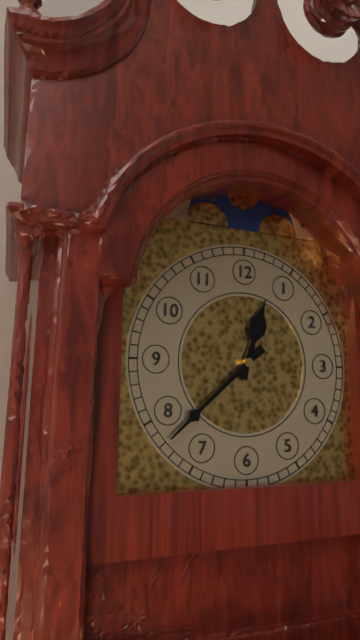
h=12 m=38
